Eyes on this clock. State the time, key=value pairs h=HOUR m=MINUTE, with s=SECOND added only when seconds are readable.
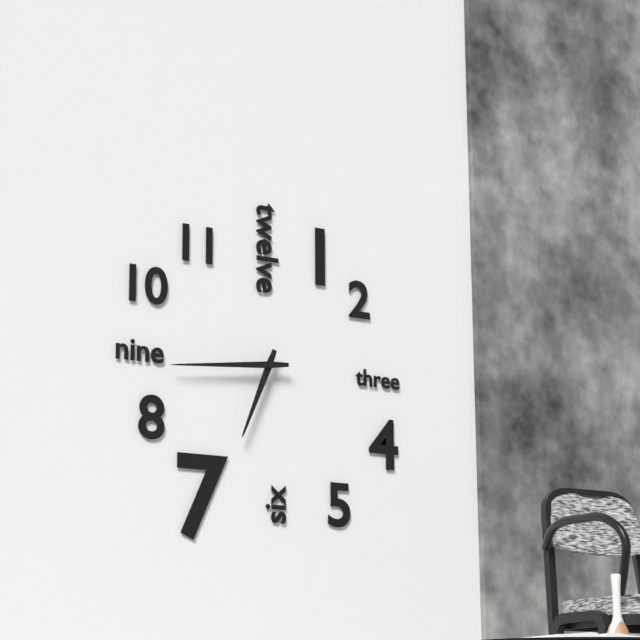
h=6 m=44
